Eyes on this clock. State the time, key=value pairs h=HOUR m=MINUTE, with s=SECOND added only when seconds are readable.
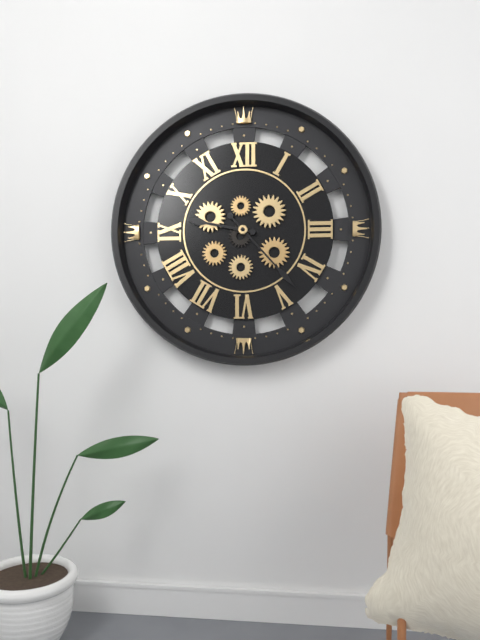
h=9 m=23
